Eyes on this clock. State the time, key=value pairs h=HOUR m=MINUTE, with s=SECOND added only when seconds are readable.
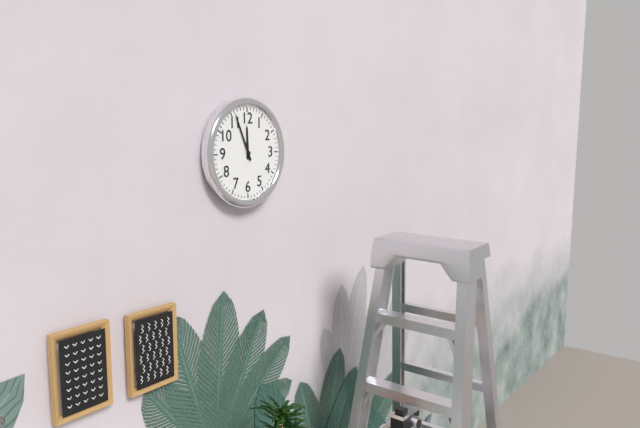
h=11 m=56
